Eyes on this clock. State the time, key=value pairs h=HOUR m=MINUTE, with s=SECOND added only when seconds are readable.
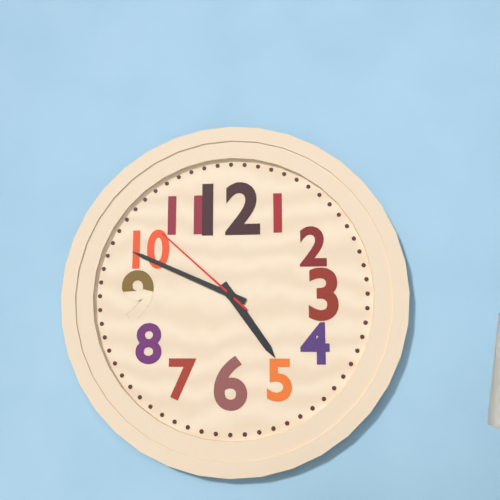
h=4 m=49 s=52
